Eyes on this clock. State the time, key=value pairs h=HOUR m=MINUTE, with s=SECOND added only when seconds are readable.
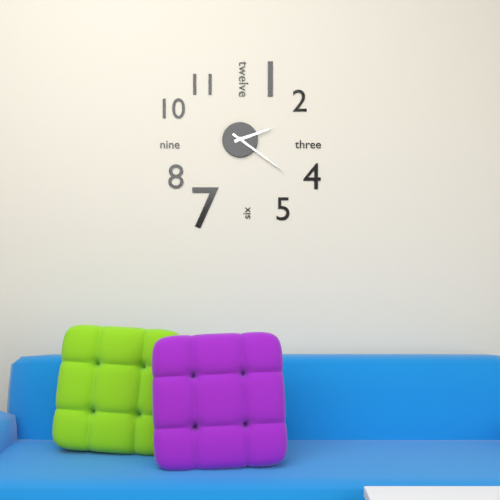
h=2 m=21
